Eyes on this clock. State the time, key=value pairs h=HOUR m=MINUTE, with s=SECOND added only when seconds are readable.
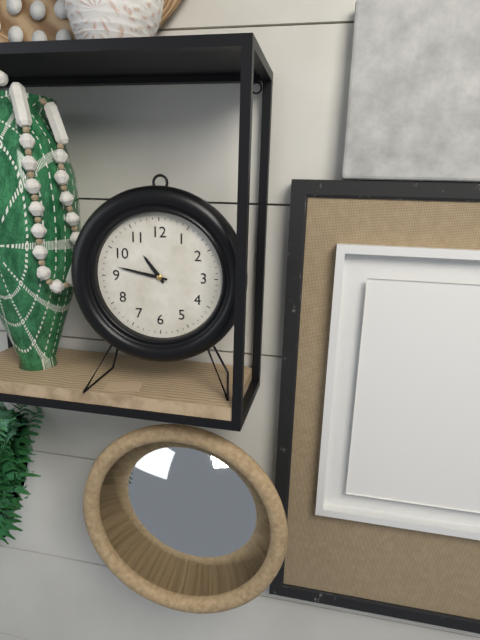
h=10 m=47
